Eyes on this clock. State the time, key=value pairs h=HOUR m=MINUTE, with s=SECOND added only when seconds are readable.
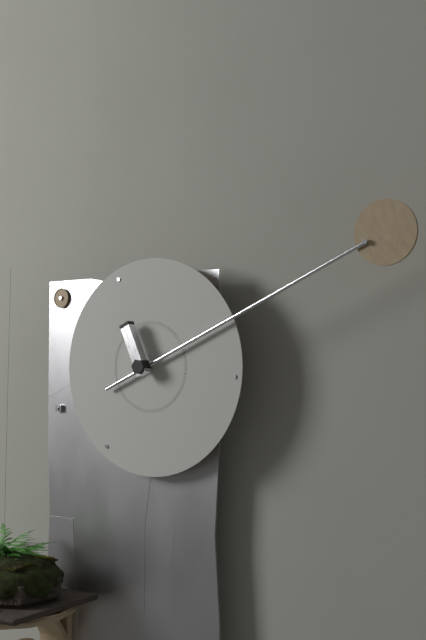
h=11 m=11
